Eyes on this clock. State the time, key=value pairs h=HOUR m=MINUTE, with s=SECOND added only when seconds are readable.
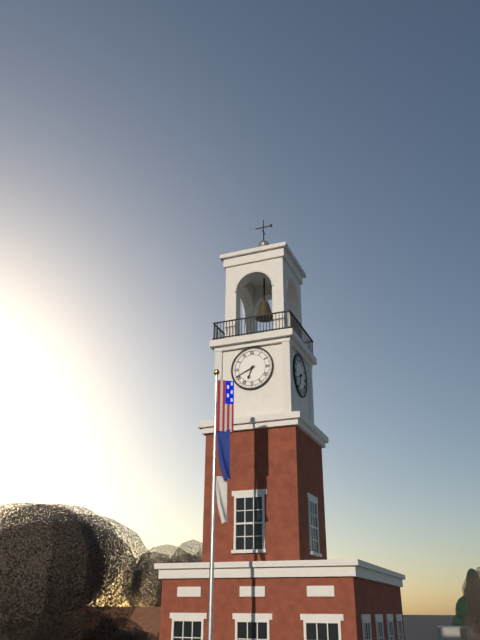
h=6 m=41
